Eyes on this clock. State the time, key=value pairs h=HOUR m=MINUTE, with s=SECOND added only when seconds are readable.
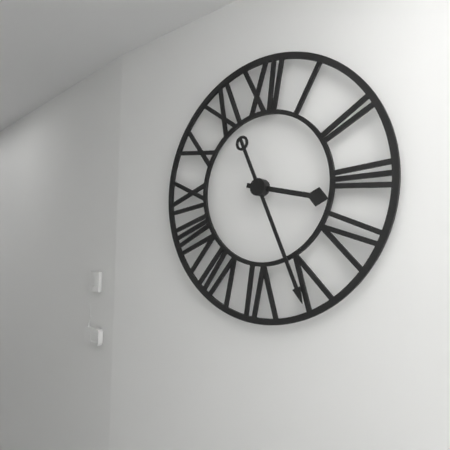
h=3 m=26
